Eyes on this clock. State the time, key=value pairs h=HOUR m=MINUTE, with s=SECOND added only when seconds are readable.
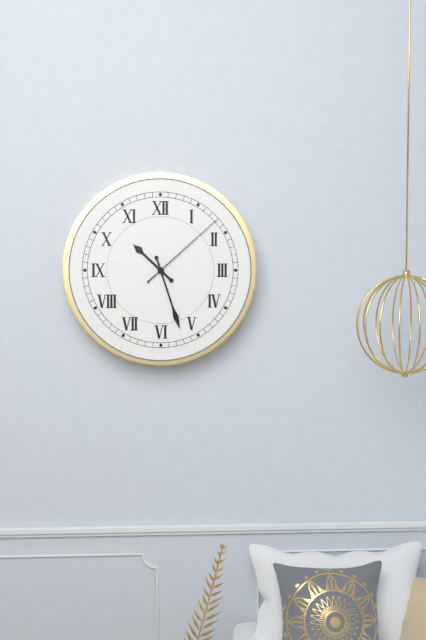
h=10 m=27 s=8
